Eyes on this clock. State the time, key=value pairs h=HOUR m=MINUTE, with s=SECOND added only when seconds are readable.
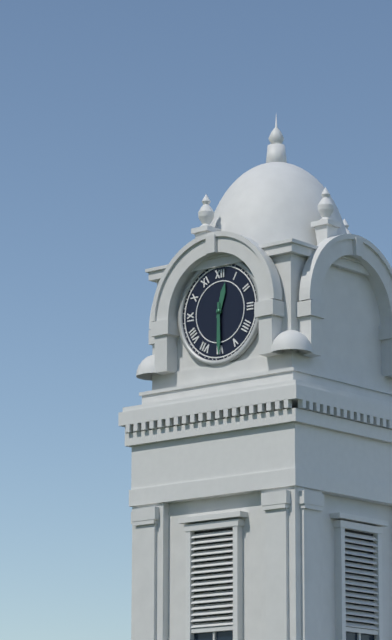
h=12 m=30
